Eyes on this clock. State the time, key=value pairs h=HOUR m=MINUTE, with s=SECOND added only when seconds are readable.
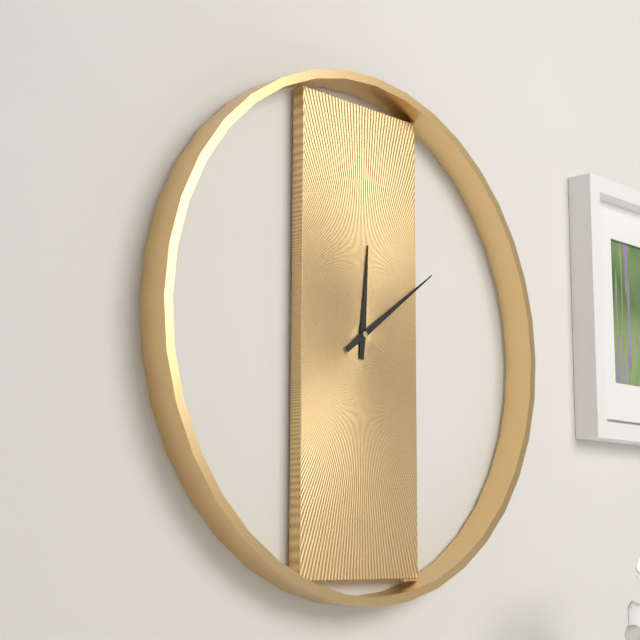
h=12 m=9
